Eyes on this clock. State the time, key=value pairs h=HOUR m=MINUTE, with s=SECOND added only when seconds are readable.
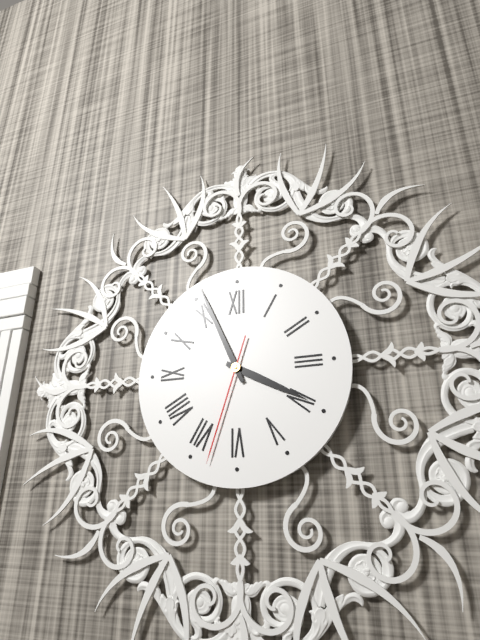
h=3 m=56 s=33
